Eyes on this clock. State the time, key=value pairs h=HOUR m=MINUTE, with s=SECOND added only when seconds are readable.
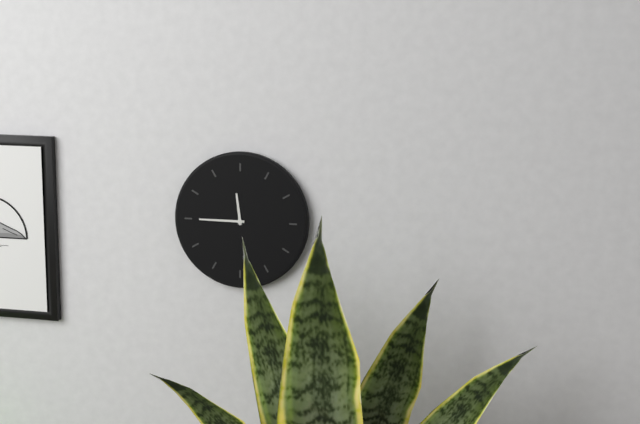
h=11 m=45
